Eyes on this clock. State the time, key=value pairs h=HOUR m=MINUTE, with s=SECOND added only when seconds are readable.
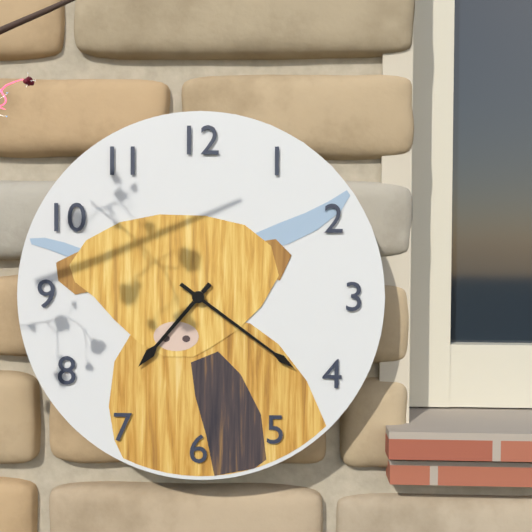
h=7 m=21
